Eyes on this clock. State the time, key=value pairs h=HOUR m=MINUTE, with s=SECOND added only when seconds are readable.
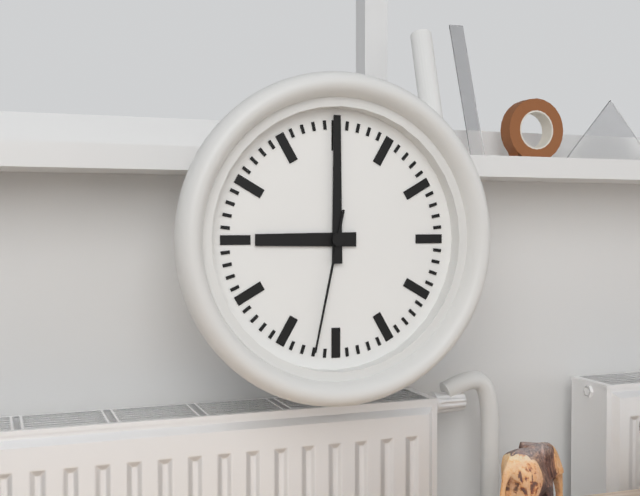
h=9 m=0 s=32
